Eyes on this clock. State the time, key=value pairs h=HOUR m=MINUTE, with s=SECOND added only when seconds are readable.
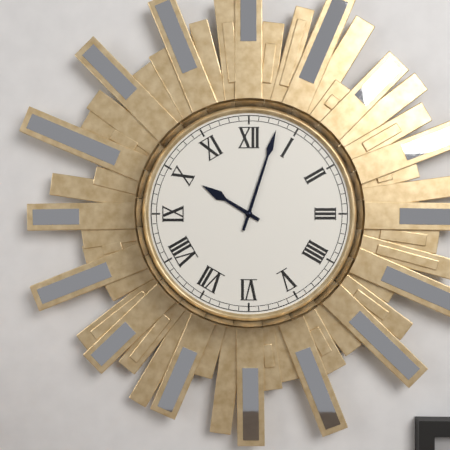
h=10 m=3
